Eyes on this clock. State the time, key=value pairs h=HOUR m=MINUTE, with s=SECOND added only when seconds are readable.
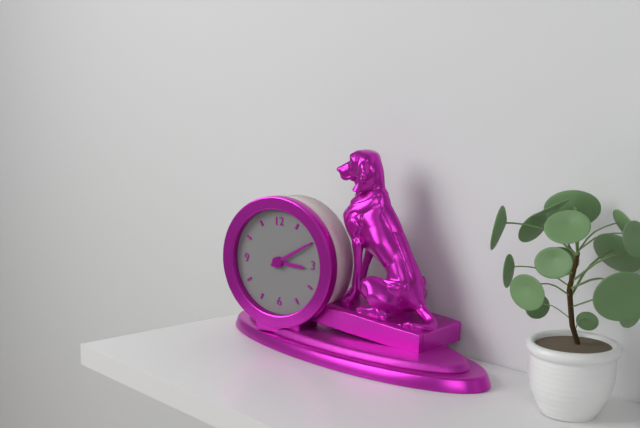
h=3 m=10
